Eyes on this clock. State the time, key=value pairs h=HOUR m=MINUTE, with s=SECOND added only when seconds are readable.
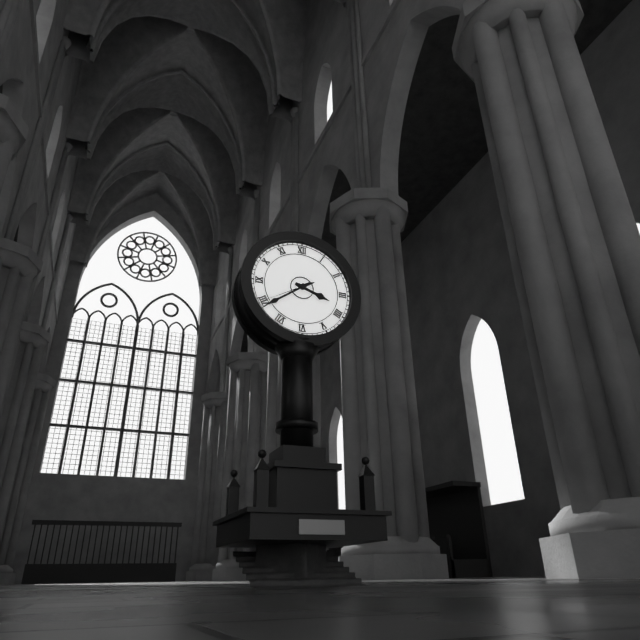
h=3 m=39 s=40
